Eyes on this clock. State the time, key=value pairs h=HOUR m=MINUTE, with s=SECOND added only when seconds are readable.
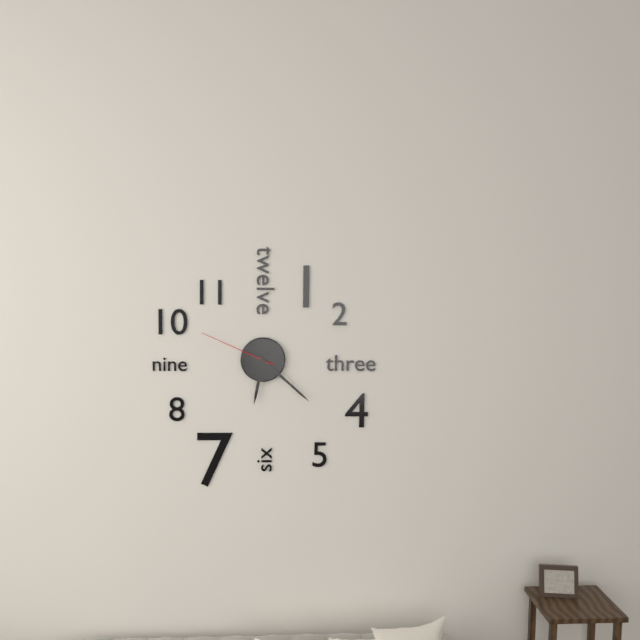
h=6 m=22 s=49
